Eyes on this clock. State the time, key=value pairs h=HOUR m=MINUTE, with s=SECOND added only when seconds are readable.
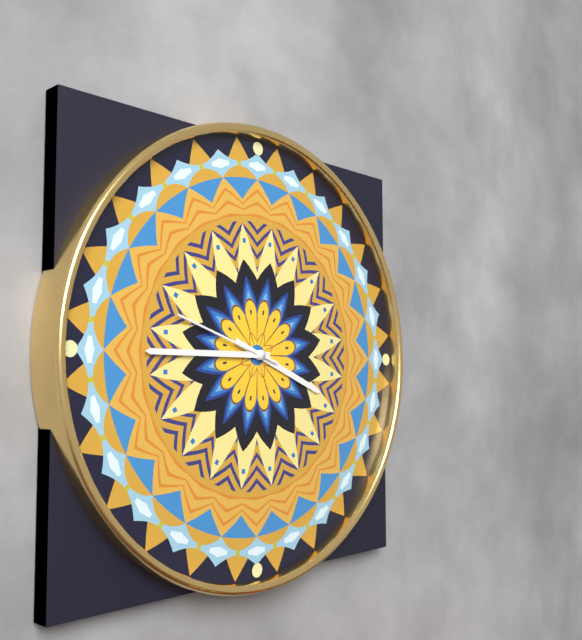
h=3 m=45 s=48
